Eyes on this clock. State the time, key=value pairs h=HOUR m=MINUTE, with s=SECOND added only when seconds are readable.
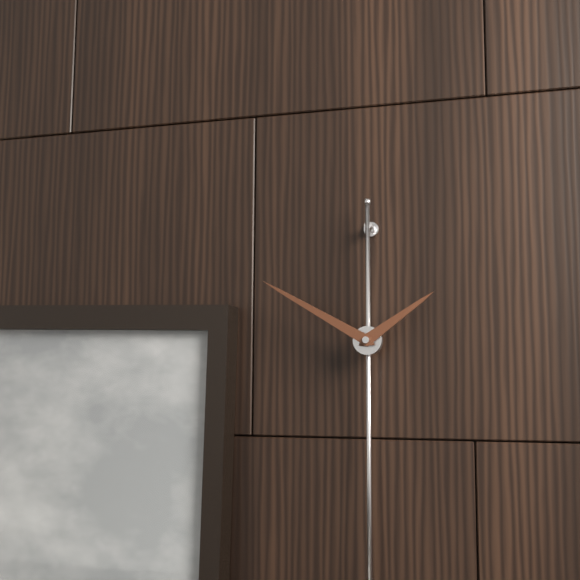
h=1 m=50
